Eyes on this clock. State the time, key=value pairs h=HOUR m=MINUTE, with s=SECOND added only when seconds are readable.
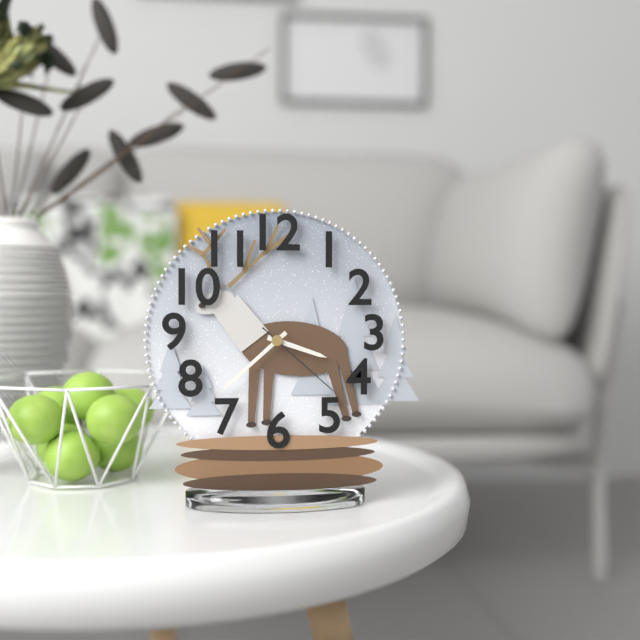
h=3 m=38 s=22
